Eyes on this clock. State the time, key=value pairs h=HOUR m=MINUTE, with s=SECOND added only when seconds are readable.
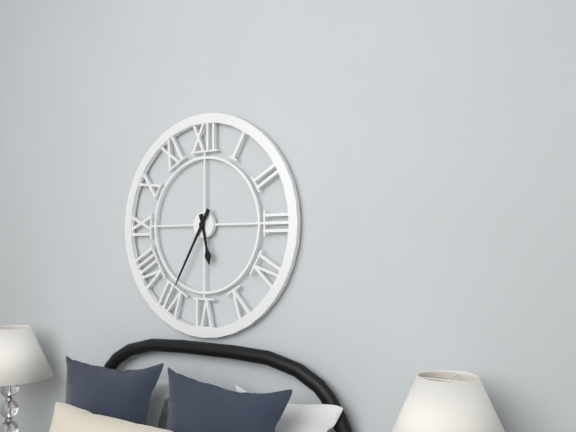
h=5 m=35
